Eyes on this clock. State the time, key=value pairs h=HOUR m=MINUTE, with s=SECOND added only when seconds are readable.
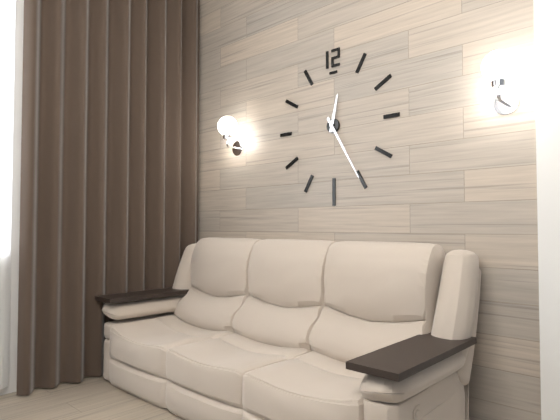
h=12 m=25
